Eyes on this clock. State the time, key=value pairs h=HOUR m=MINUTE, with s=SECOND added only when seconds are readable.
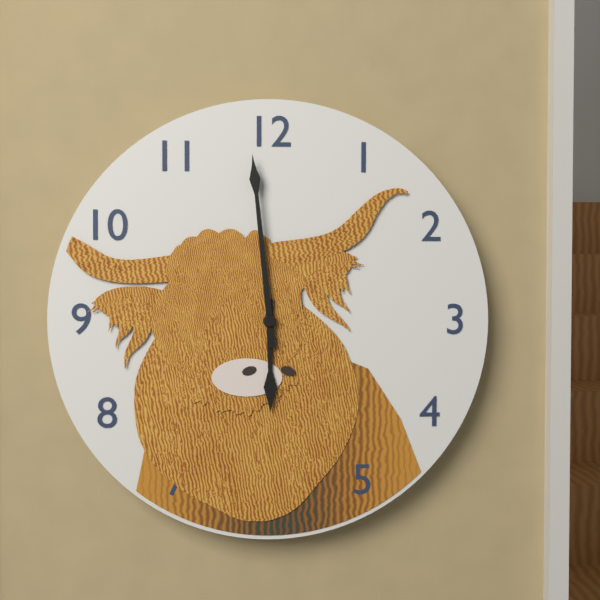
h=5 m=59
